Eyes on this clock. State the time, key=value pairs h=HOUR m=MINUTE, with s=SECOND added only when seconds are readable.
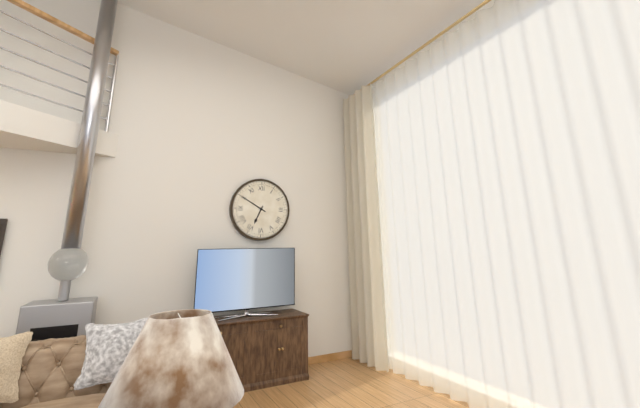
h=6 m=50
